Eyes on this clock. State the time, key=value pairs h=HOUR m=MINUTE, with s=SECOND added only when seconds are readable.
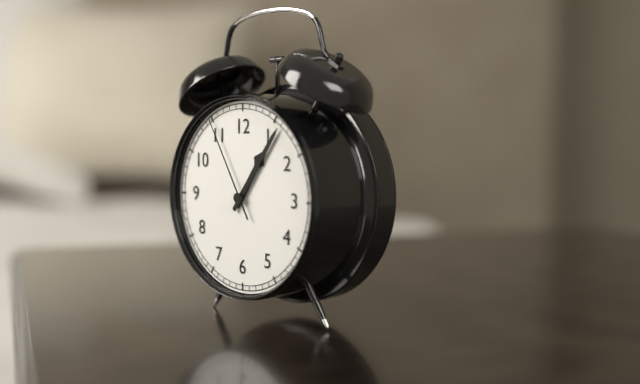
h=1 m=6 s=55
